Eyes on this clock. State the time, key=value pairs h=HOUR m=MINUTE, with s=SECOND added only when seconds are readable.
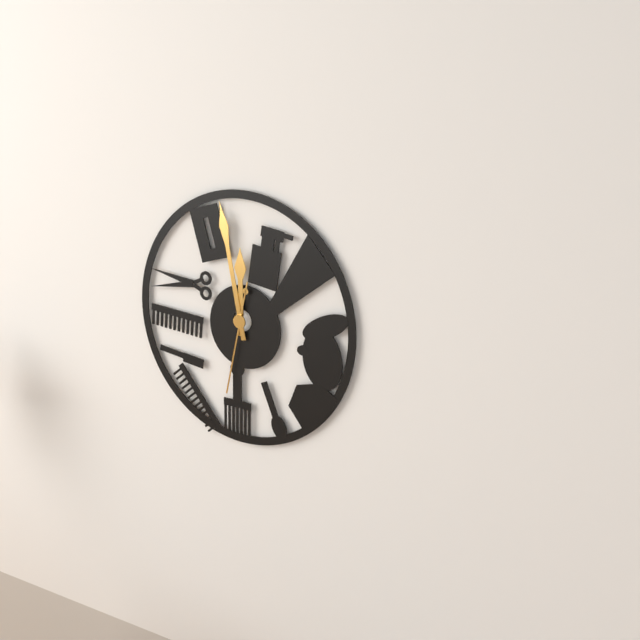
h=11 m=58 s=32
